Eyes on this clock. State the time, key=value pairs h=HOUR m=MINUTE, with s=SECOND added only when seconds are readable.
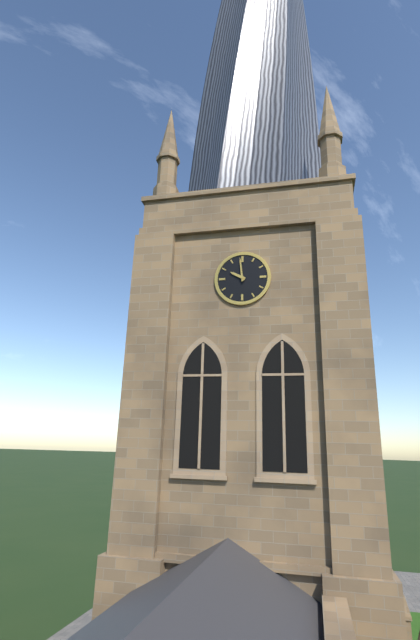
h=9 m=59
